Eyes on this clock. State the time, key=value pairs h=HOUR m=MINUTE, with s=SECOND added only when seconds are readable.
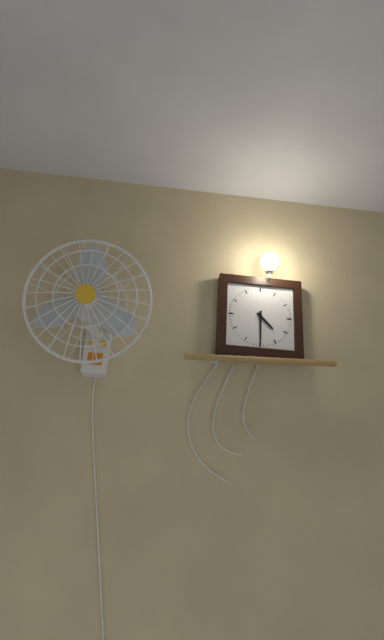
h=4 m=30
